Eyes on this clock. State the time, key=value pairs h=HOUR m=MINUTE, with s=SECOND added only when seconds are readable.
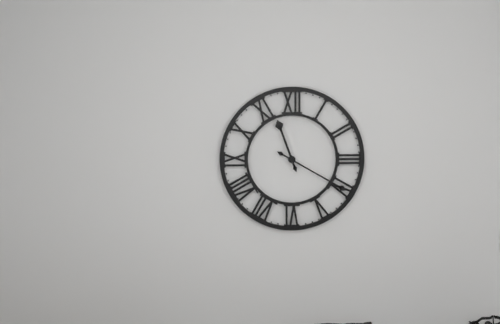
h=11 m=20
